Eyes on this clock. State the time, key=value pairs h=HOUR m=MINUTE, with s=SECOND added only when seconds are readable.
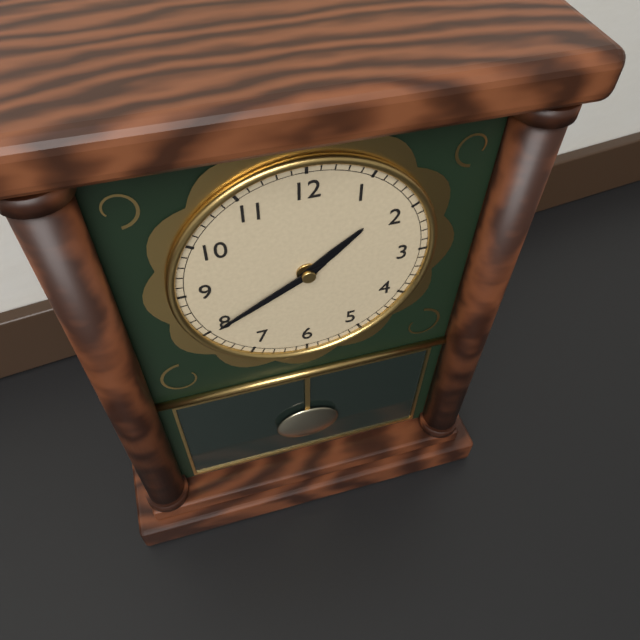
h=1 m=40
